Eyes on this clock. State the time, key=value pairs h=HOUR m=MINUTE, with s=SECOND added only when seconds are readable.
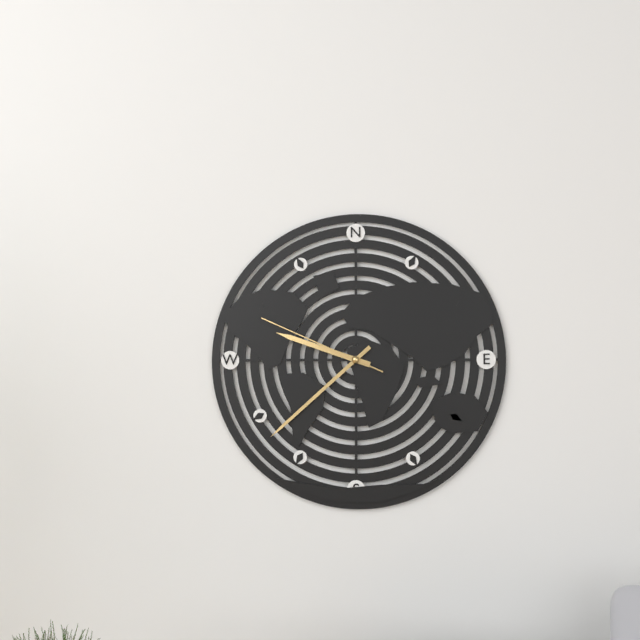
h=9 m=38 s=49
